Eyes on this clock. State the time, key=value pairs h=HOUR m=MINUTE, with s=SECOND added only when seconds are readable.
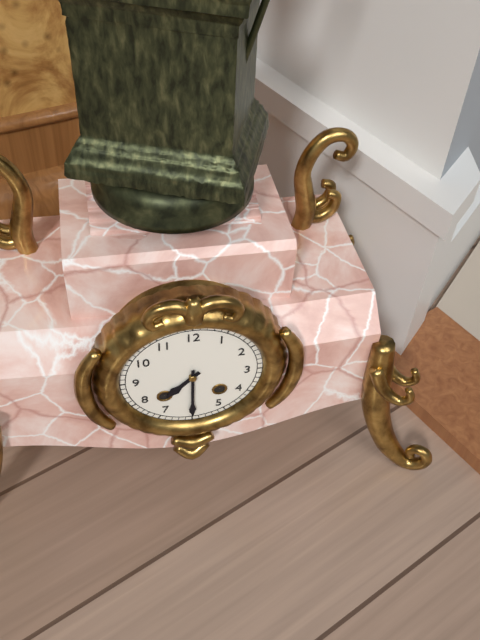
h=7 m=30
